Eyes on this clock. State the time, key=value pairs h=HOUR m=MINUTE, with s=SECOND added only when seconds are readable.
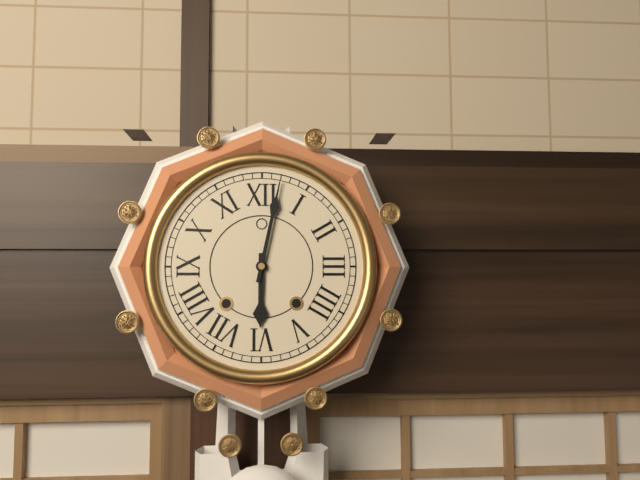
h=6 m=2
